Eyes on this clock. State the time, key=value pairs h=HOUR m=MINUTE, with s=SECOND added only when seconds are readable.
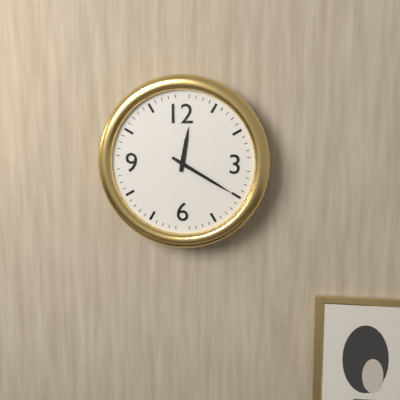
h=12 m=20
